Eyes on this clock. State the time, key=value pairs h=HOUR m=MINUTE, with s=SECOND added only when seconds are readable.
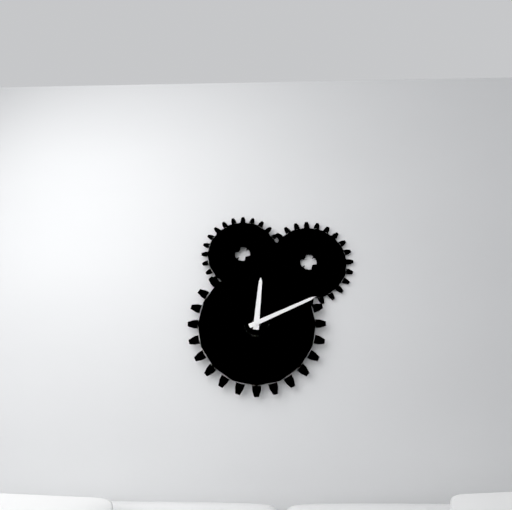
h=12 m=11
